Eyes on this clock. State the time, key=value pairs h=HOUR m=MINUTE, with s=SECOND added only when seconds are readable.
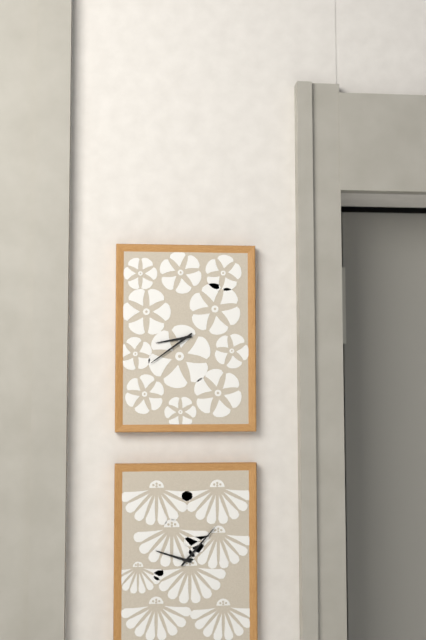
h=8 m=39
